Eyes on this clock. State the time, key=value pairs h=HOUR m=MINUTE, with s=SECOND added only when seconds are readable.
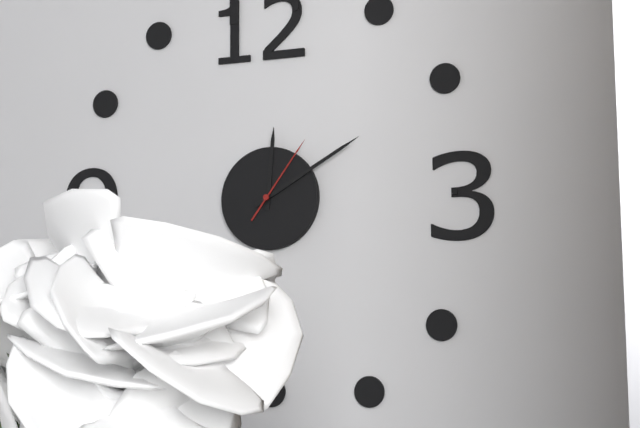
h=12 m=10 s=6
